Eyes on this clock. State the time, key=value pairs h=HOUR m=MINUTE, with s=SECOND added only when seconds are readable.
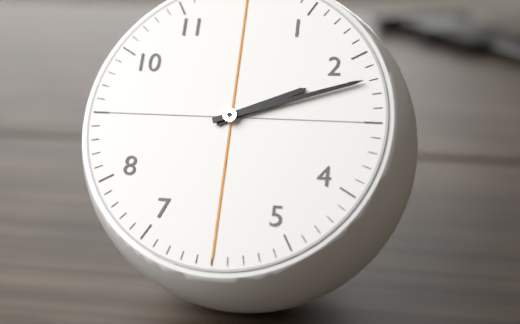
h=2 m=12
